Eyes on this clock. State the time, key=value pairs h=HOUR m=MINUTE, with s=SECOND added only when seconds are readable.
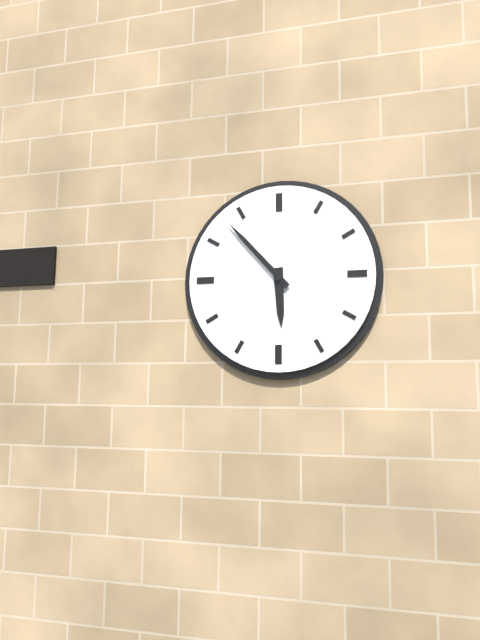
h=5 m=53
